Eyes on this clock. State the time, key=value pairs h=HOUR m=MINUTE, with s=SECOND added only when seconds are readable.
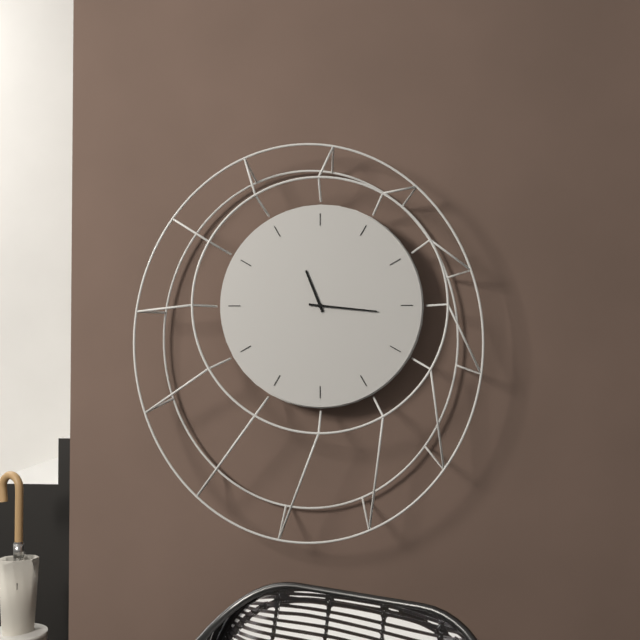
h=11 m=16
